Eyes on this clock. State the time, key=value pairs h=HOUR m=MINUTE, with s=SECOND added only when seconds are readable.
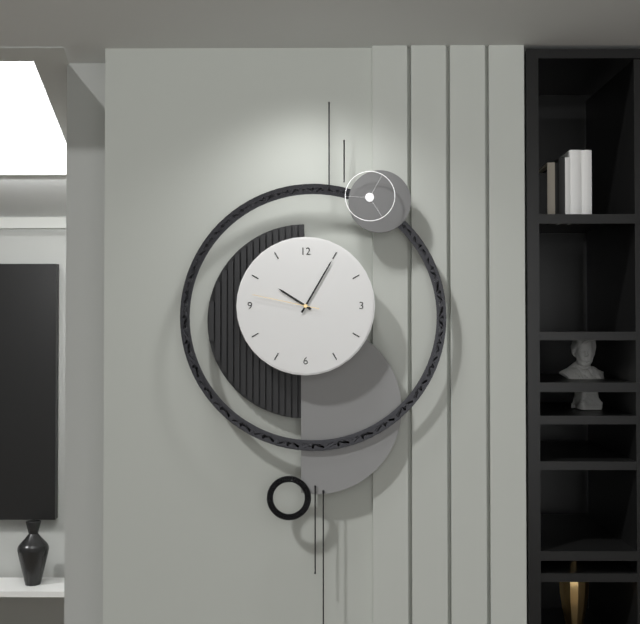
h=10 m=5 s=47
